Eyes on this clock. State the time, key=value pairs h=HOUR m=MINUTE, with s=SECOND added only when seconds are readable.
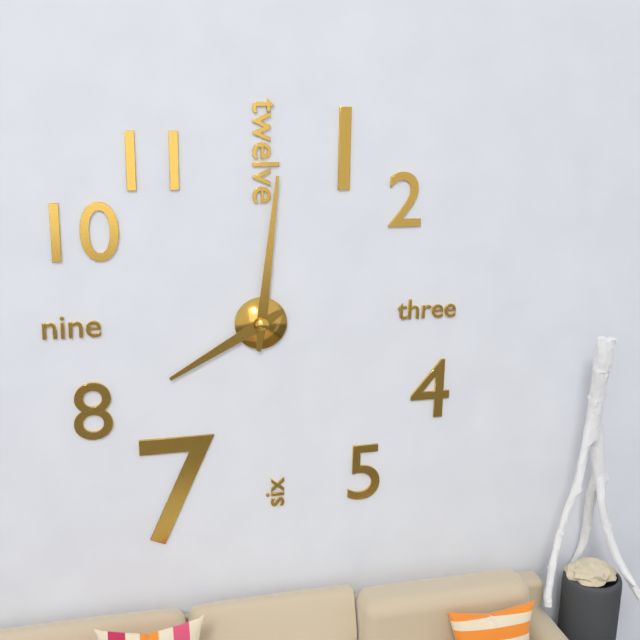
h=8 m=1
